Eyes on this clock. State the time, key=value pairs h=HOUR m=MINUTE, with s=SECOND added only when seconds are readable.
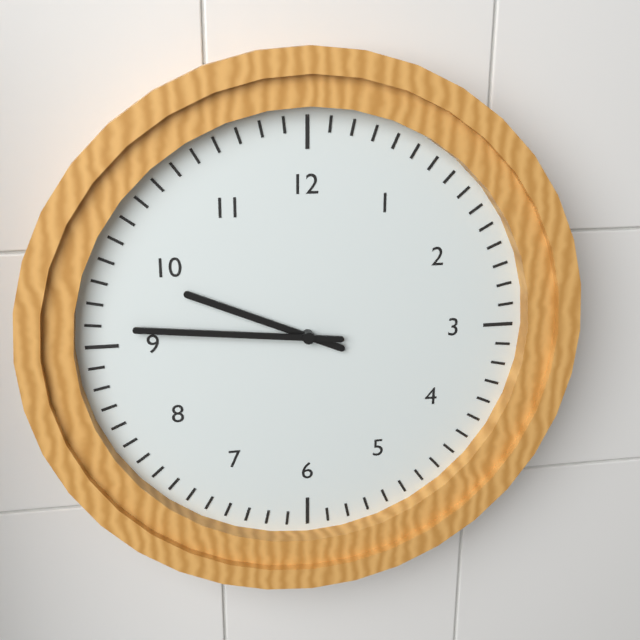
h=9 m=46
